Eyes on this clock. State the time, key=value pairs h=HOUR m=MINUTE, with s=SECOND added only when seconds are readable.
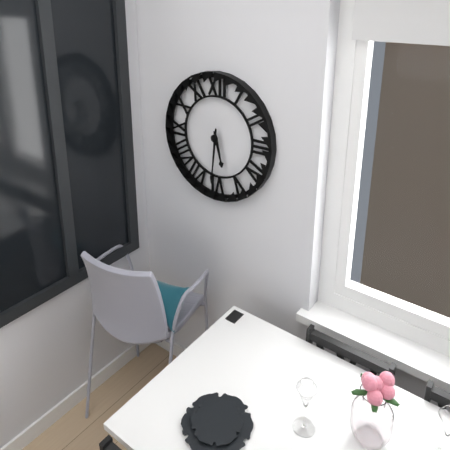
h=5 m=31
